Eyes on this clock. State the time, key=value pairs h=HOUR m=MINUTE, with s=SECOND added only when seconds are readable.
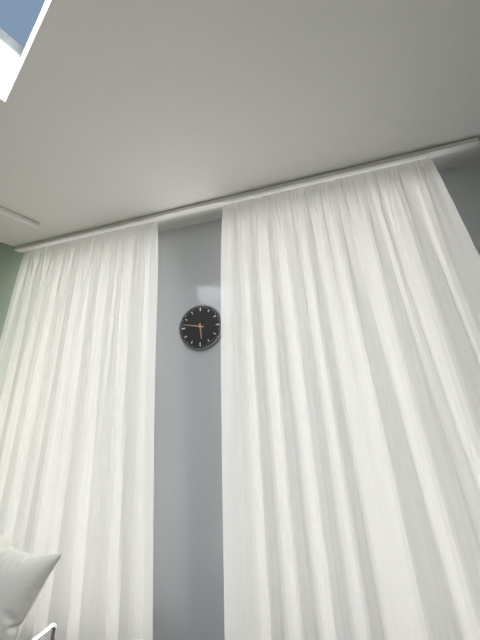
h=5 m=47
